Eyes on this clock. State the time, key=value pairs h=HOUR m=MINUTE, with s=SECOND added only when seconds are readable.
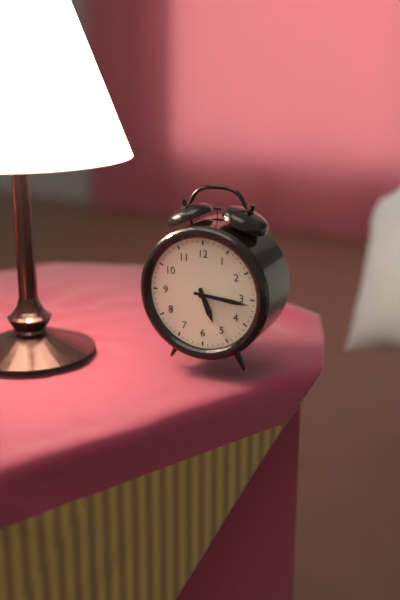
h=5 m=16
